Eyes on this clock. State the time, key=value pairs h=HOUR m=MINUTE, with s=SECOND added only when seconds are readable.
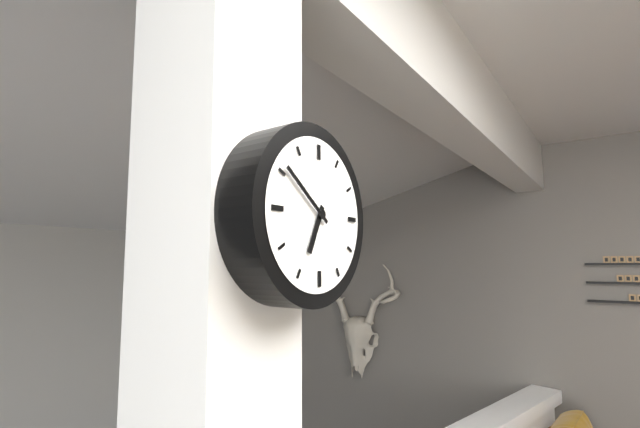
h=6 m=51
